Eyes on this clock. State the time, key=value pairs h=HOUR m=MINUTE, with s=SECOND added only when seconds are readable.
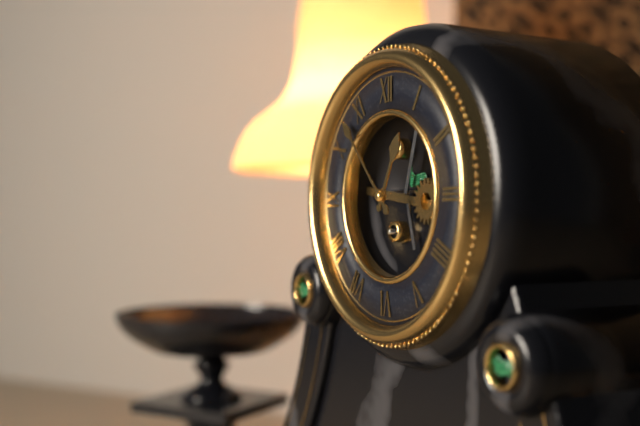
h=12 m=53
